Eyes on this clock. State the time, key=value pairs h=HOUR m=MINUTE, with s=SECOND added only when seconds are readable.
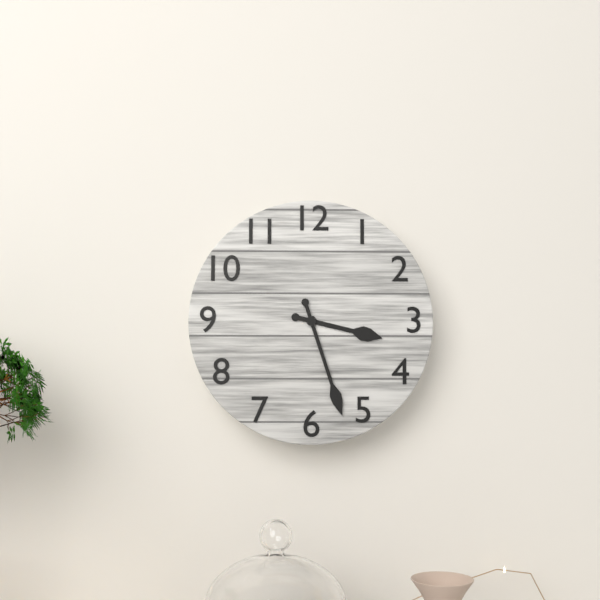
h=3 m=27
